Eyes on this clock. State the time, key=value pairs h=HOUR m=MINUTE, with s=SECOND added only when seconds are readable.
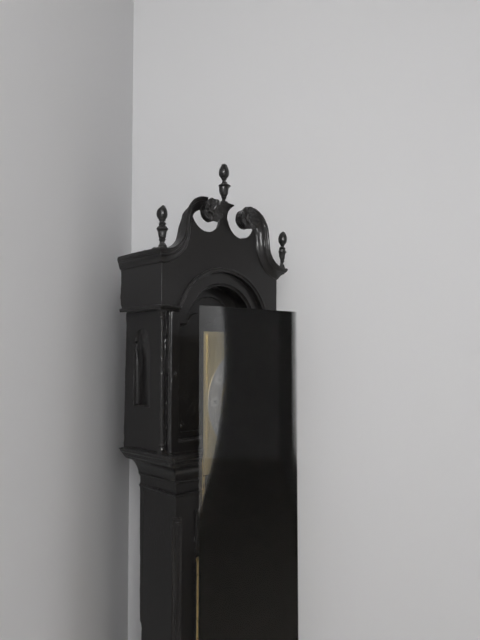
h=4 m=56
